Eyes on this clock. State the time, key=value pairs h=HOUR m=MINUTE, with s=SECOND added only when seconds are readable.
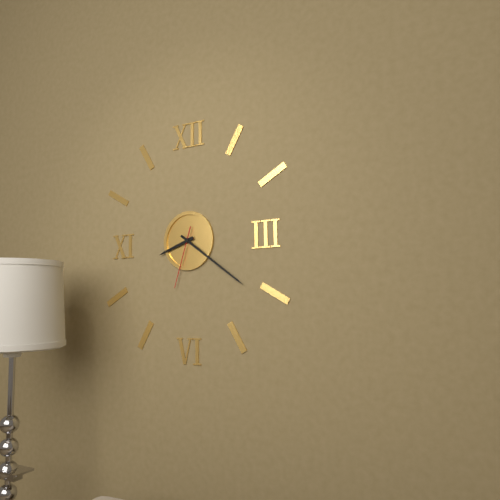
h=8 m=21 s=33
